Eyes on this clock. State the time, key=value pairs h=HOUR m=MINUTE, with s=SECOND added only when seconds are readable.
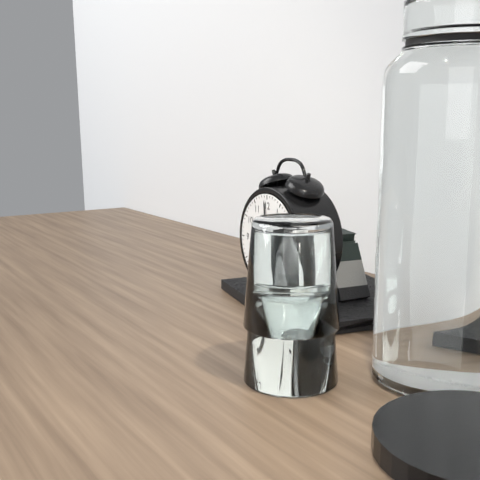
h=12 m=59
